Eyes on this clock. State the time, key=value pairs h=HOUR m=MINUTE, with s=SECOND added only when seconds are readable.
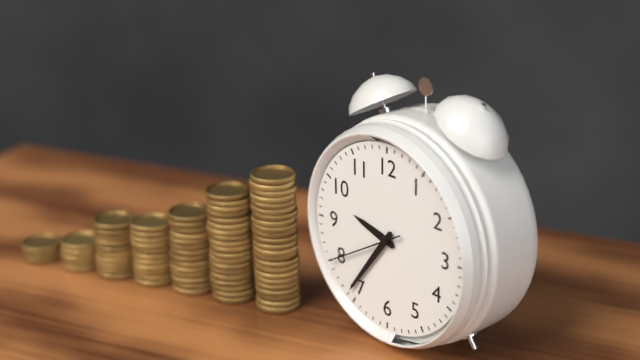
h=9 m=36 s=40
